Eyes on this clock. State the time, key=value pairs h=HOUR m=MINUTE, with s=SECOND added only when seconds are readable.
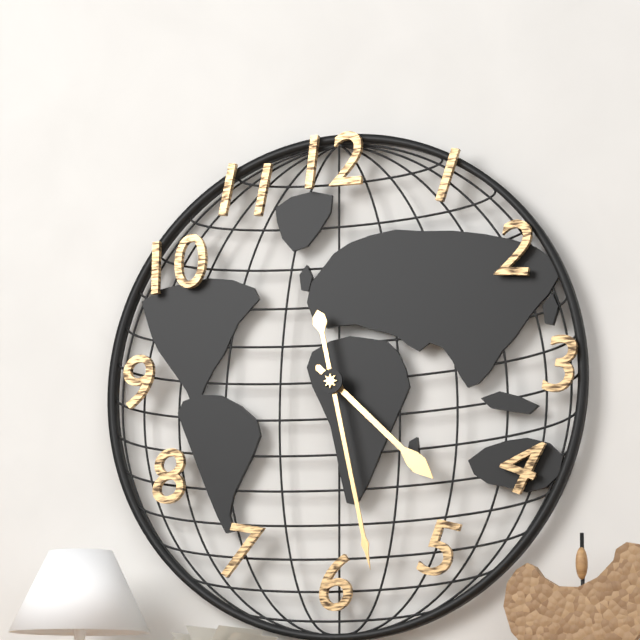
h=4 m=28
